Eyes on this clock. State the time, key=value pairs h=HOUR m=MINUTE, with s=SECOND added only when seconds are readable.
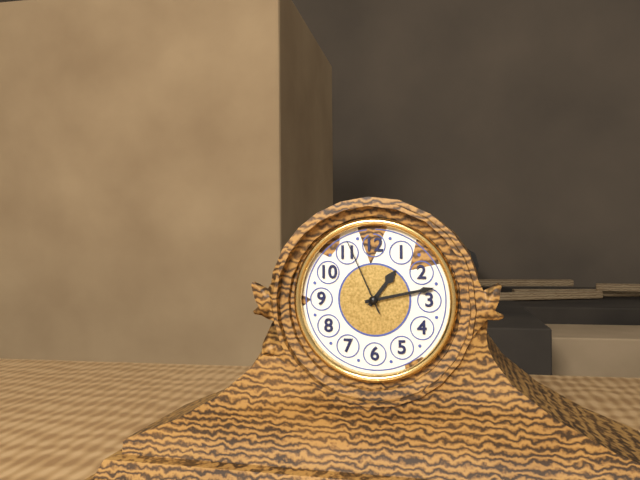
h=1 m=13 s=56
